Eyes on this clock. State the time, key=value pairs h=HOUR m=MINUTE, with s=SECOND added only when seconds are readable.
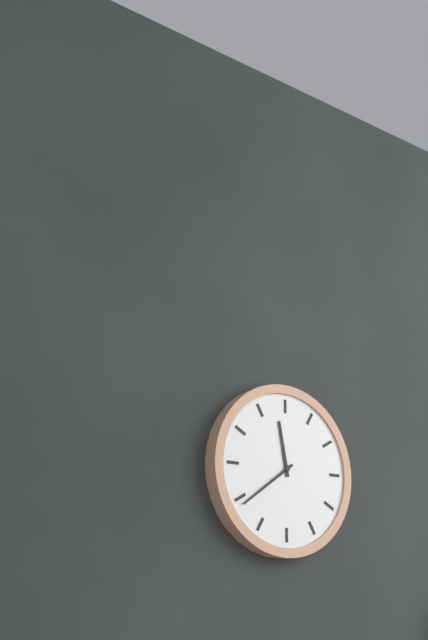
h=11 m=39
